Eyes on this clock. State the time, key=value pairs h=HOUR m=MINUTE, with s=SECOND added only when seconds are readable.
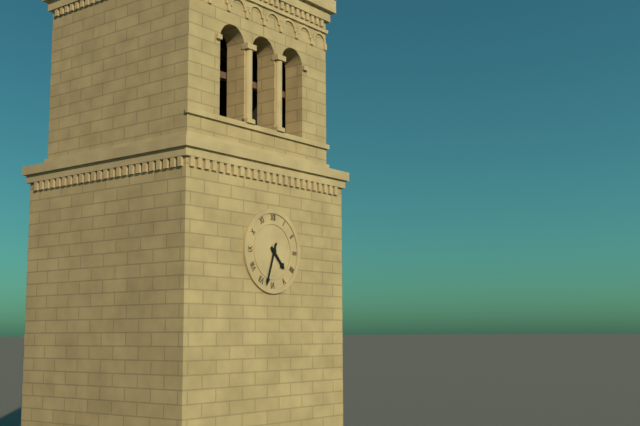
h=4 m=33
